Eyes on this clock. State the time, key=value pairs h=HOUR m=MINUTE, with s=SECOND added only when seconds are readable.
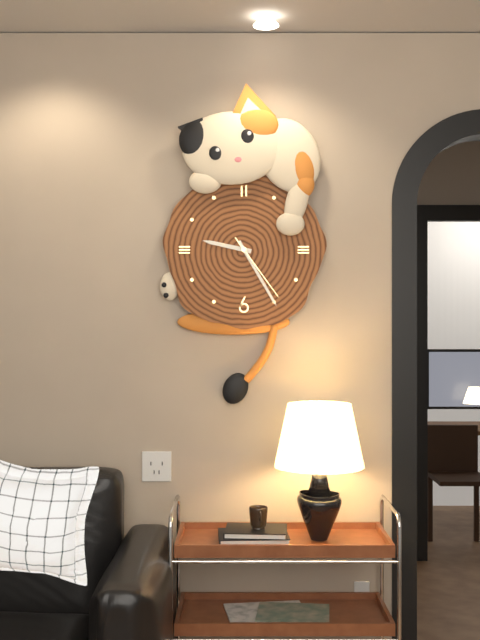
h=9 m=25 s=24
